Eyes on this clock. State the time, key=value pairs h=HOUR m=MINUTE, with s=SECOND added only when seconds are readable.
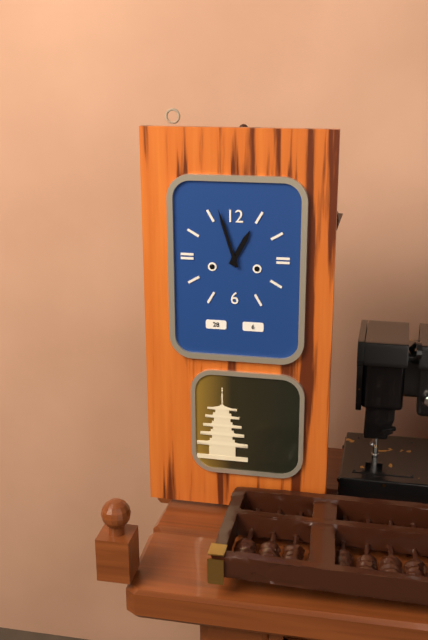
h=12 m=57
